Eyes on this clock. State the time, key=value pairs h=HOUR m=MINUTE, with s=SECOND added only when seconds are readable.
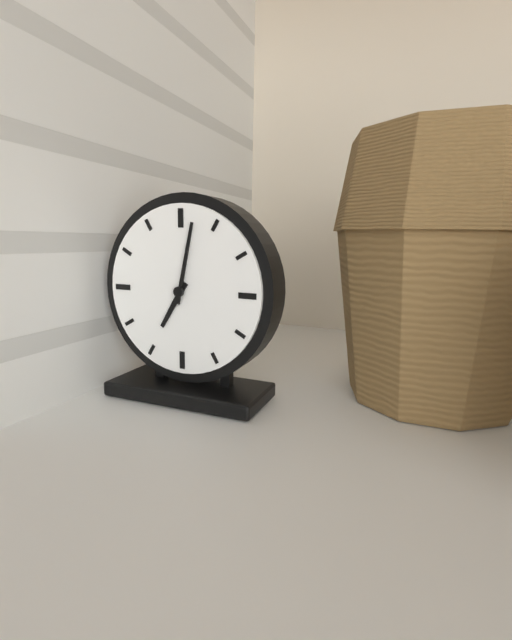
h=7 m=2
